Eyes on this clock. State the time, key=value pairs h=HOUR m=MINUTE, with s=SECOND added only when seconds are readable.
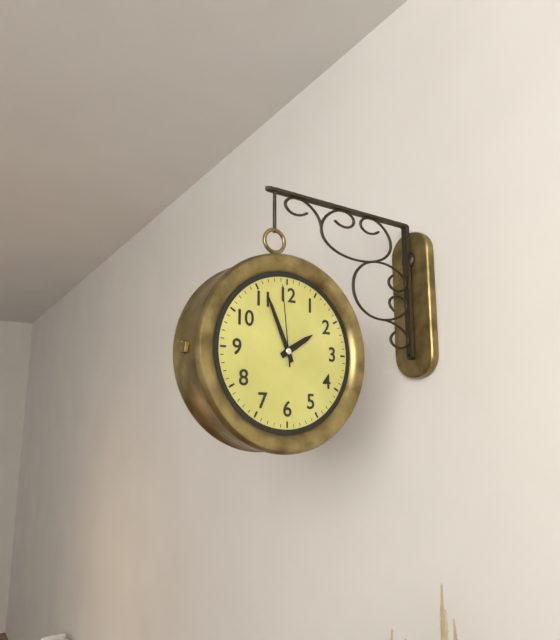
h=1 m=56 s=59
